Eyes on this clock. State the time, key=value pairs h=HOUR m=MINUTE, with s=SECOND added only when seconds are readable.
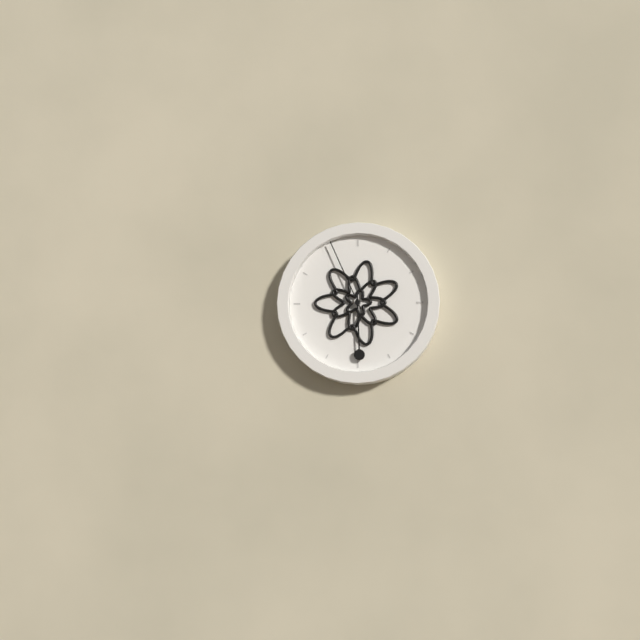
h=5 m=56
